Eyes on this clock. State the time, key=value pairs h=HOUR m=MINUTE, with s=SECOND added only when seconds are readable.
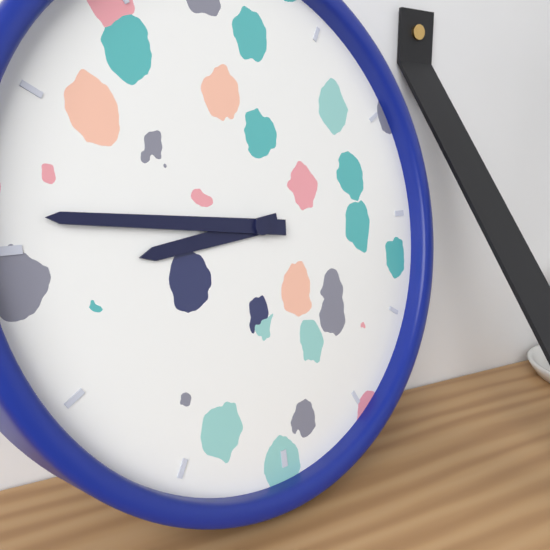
h=8 m=46
